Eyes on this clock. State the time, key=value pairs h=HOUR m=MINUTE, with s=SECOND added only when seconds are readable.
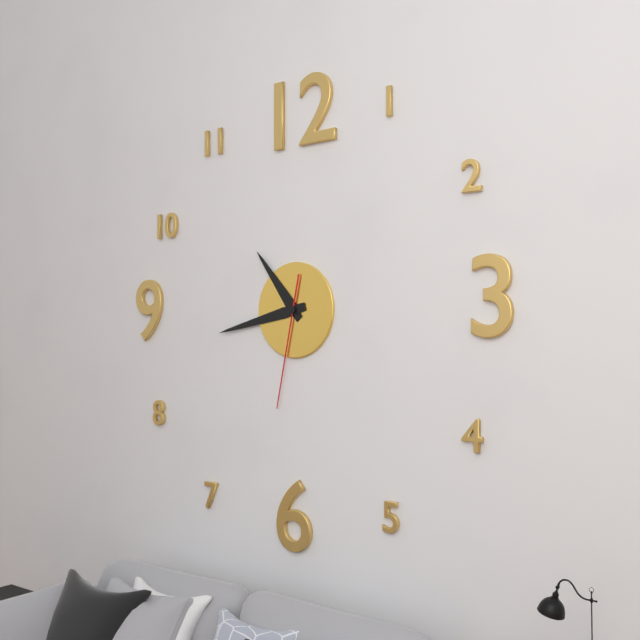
h=10 m=43 s=32
